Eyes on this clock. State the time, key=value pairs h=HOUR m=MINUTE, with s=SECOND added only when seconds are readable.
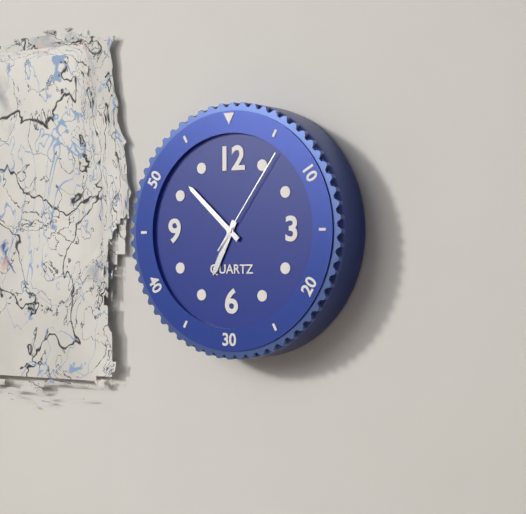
h=6 m=52 s=6
